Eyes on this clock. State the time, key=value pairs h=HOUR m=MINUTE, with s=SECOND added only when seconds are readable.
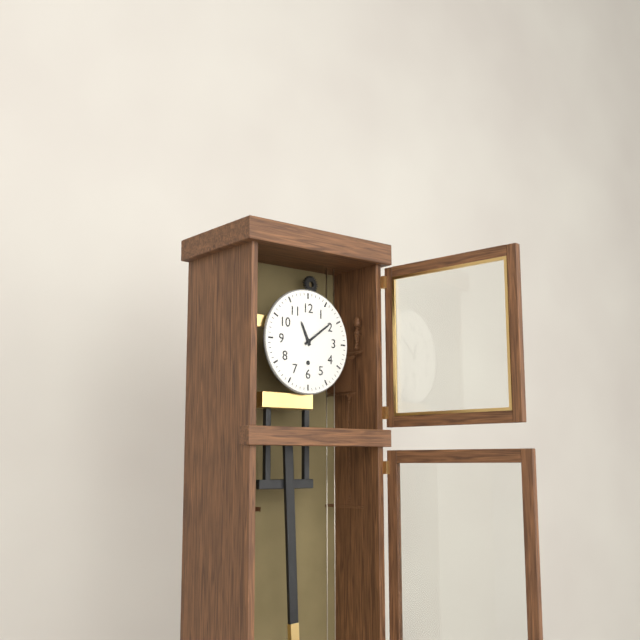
h=11 m=9
